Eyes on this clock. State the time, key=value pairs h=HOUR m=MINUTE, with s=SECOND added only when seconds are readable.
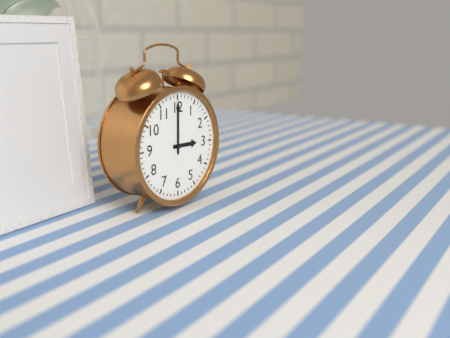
h=3 m=0
